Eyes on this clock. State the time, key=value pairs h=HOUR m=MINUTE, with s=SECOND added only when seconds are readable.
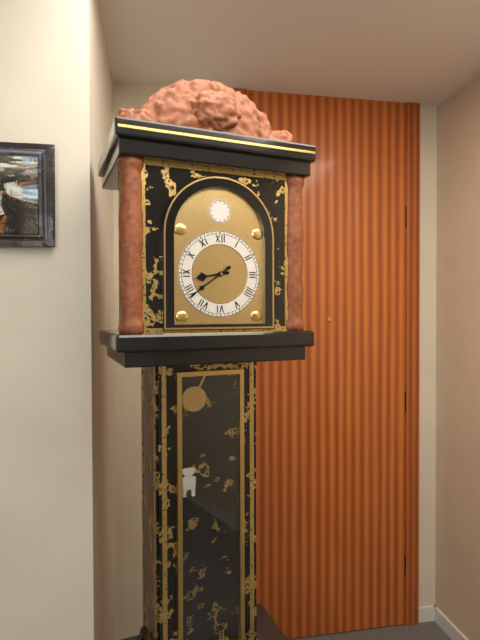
h=8 m=39
